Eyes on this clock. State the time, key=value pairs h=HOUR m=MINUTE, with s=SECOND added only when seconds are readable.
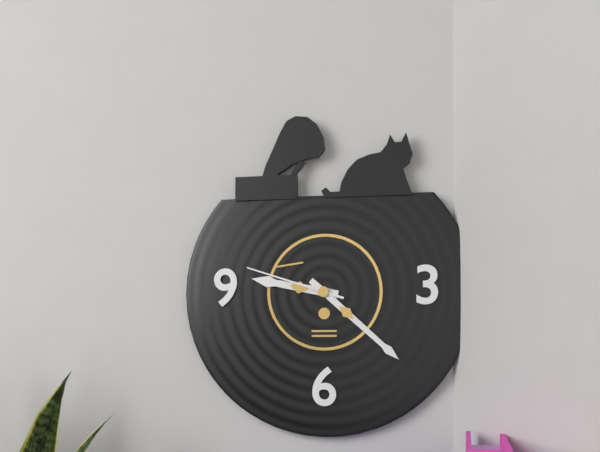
h=9 m=22 s=48
